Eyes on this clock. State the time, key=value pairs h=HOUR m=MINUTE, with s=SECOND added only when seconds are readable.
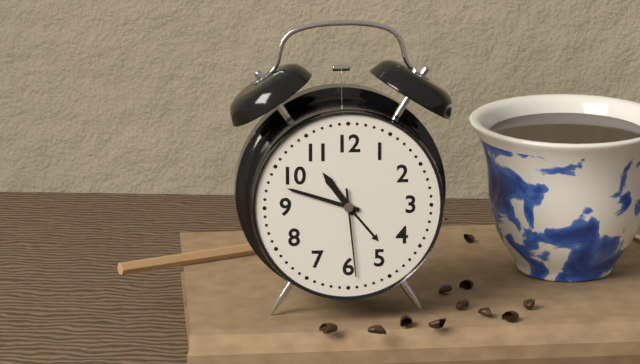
h=10 m=48 s=29
